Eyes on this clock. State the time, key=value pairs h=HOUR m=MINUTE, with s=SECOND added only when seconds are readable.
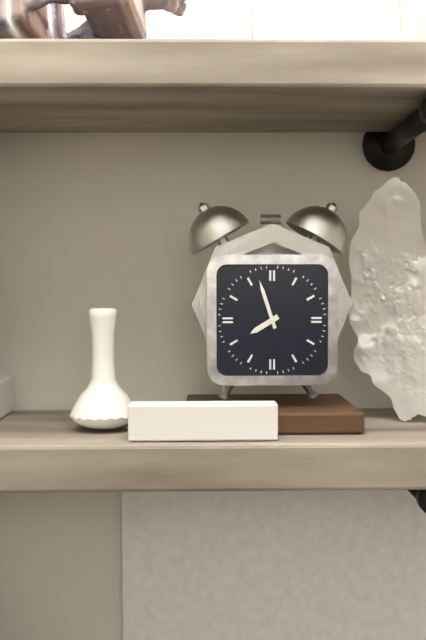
h=7 m=57
